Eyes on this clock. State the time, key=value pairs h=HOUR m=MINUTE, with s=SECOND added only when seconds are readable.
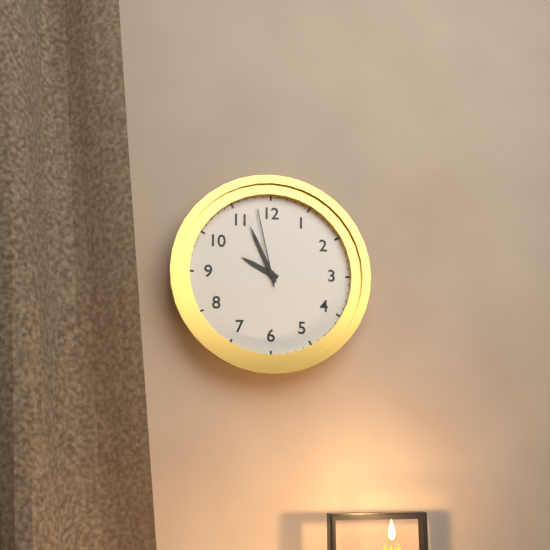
h=9 m=56 s=58
